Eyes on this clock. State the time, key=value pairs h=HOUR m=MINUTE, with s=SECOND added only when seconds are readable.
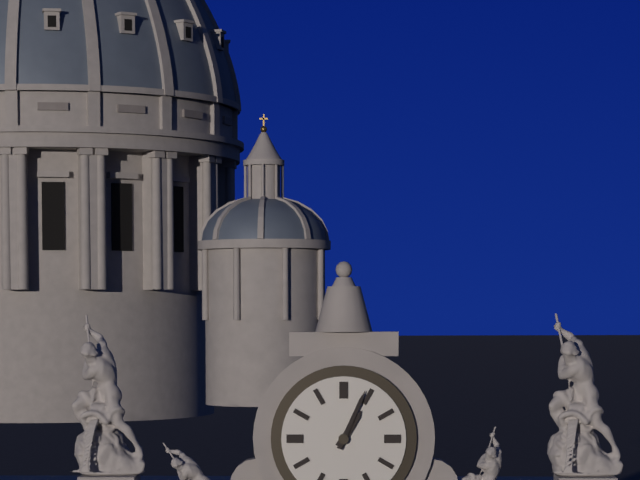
h=1 m=4
